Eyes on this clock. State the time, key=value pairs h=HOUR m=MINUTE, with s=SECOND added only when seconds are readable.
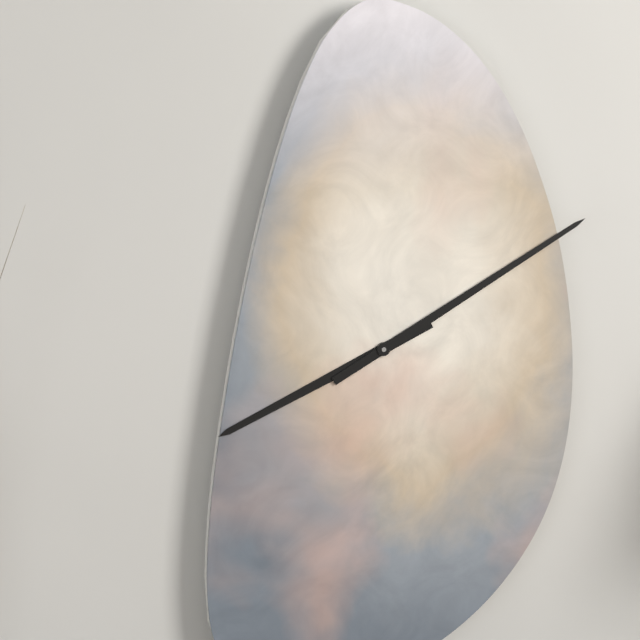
h=8 m=10
